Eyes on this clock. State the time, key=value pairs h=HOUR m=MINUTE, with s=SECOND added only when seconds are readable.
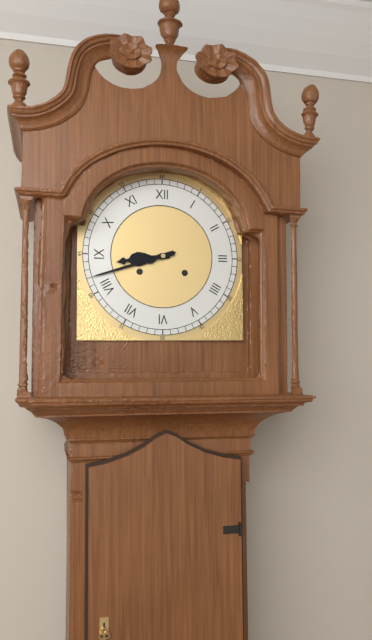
h=8 m=42
